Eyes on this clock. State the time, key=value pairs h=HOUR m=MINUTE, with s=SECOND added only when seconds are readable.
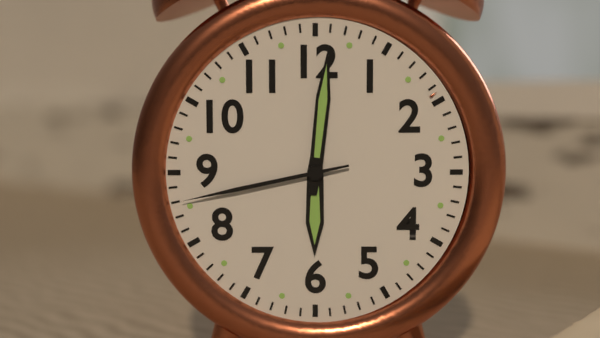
h=6 m=1 s=43
